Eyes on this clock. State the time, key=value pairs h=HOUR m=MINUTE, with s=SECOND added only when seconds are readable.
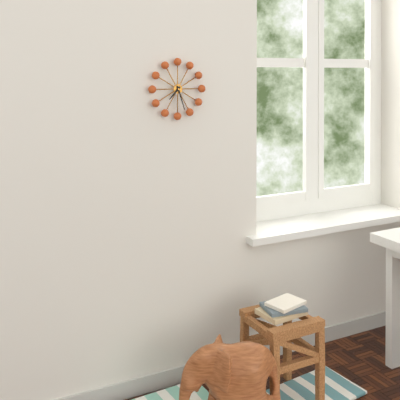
h=7 m=27
